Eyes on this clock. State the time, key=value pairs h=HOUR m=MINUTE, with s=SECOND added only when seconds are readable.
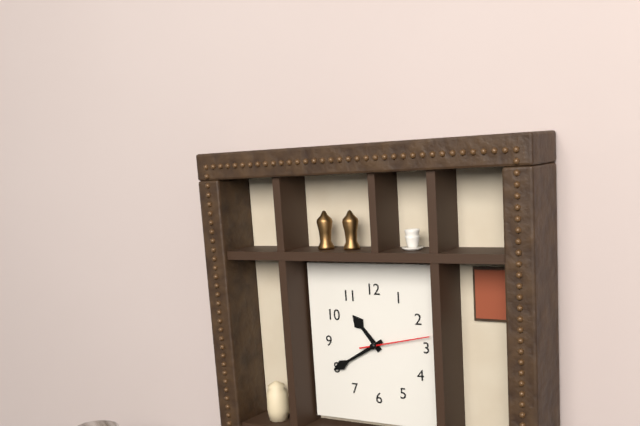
h=10 m=40 s=13
